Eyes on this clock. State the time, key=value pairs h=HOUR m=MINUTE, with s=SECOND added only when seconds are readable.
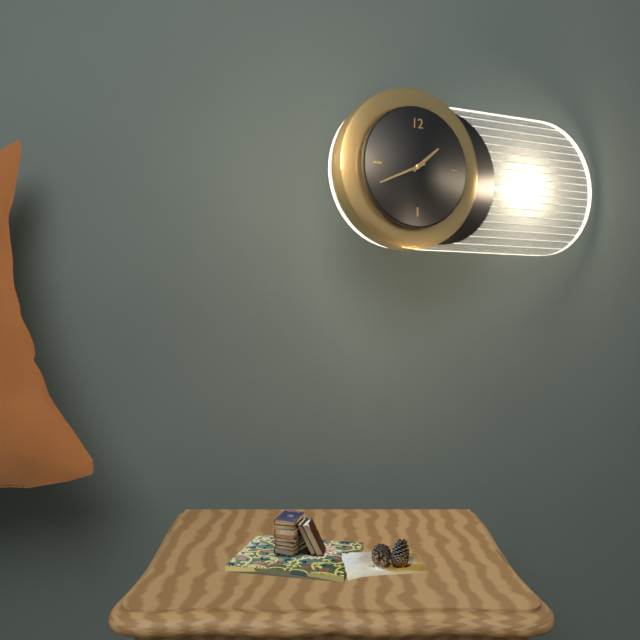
h=1 m=41
